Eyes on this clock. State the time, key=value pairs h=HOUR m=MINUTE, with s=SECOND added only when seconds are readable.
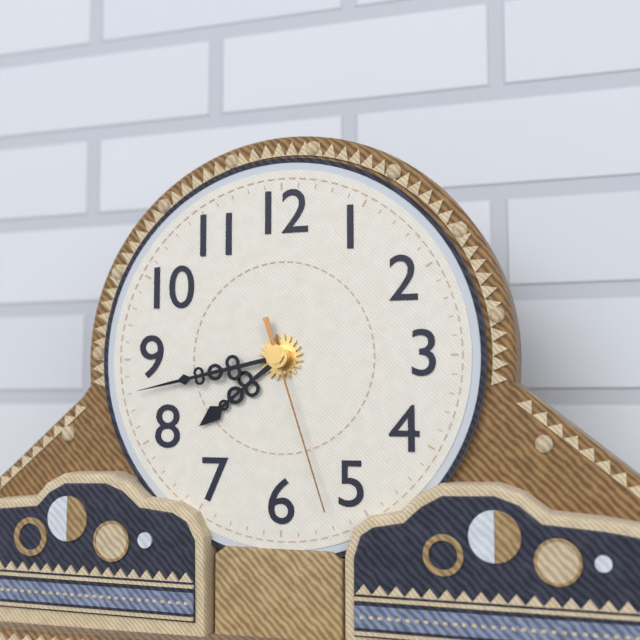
h=7 m=43 s=27
